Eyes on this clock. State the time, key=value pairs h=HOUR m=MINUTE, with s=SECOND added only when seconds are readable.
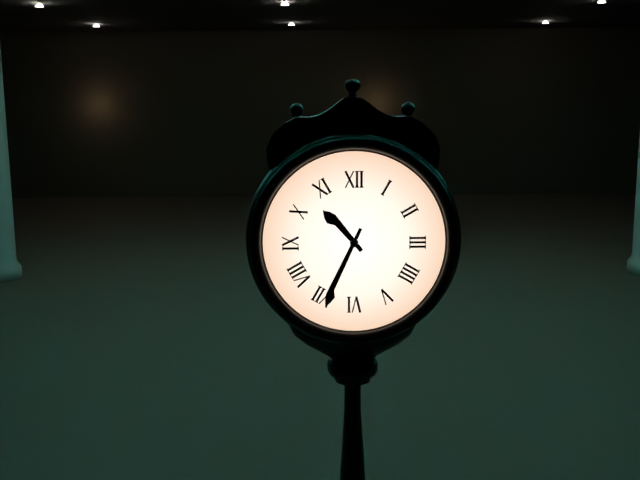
h=10 m=34
